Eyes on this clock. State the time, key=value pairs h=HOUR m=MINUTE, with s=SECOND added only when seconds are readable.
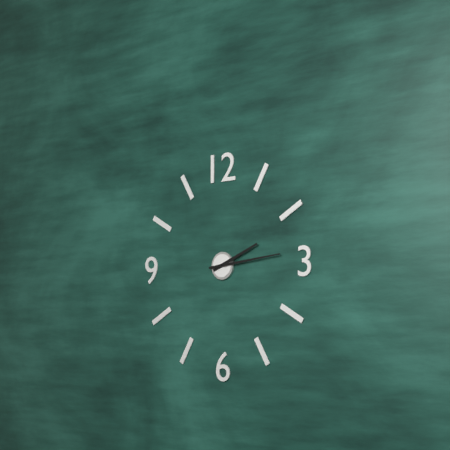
h=2 m=14
